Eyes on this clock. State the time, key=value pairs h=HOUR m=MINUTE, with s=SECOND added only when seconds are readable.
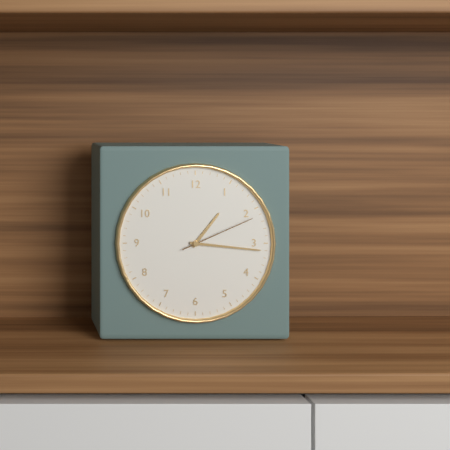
h=1 m=16 s=11
